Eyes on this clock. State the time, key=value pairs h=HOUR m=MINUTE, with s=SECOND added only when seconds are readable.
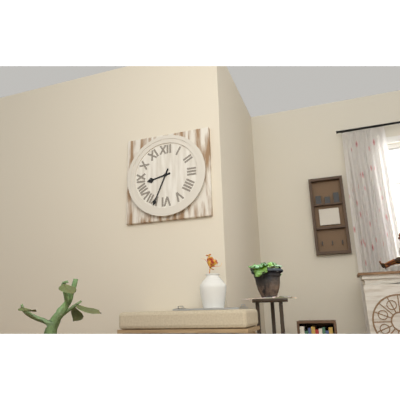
h=8 m=34
